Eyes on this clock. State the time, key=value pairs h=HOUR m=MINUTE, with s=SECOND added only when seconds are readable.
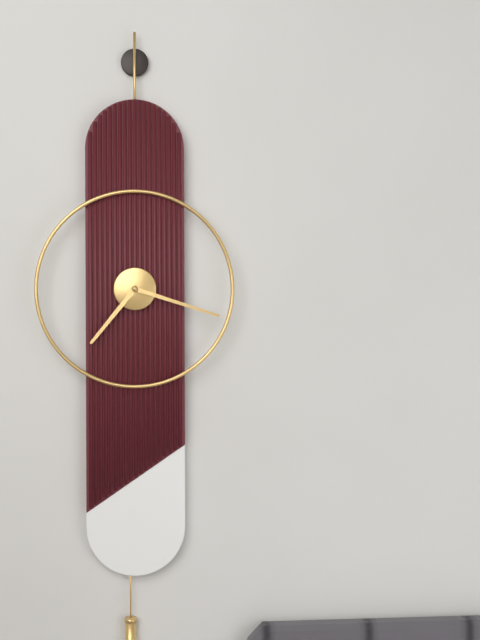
h=7 m=18
